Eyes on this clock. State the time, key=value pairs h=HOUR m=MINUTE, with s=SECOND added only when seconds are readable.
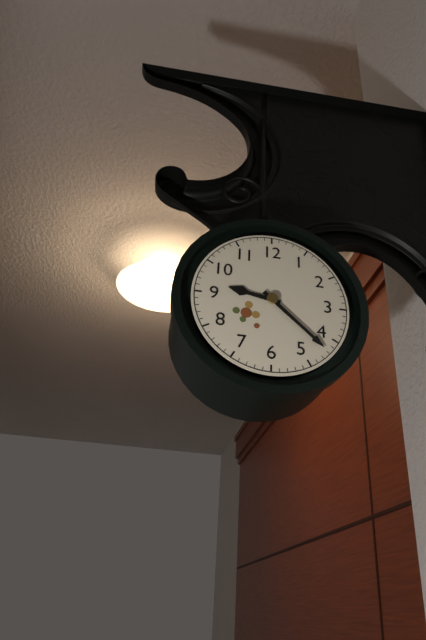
h=9 m=22
